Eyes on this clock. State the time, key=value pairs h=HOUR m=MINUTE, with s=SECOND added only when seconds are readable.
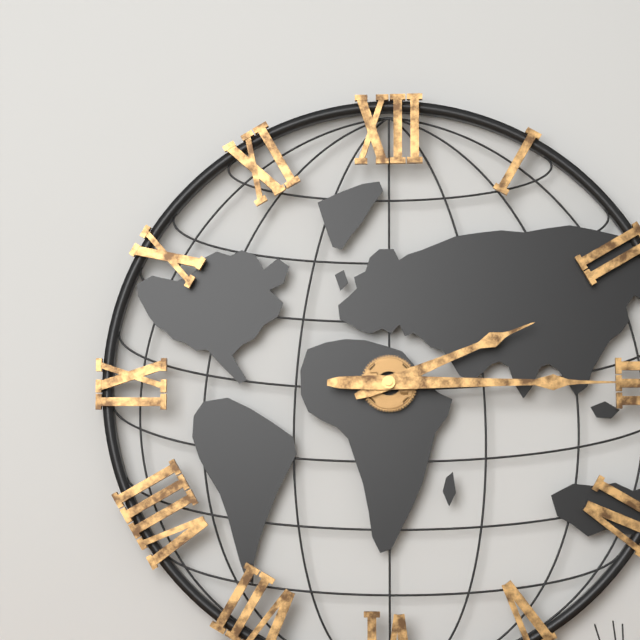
h=2 m=15
